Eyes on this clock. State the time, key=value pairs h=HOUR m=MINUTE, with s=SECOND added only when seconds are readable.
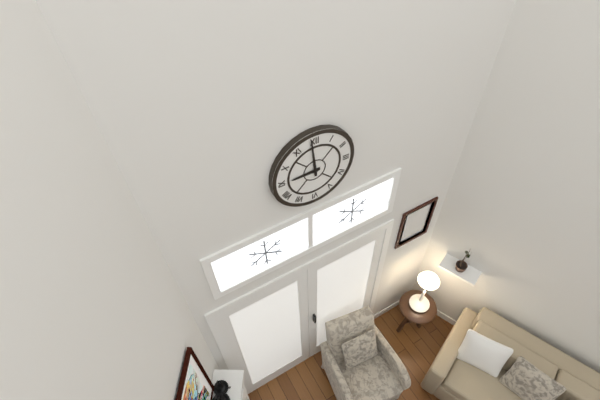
h=8 m=59
